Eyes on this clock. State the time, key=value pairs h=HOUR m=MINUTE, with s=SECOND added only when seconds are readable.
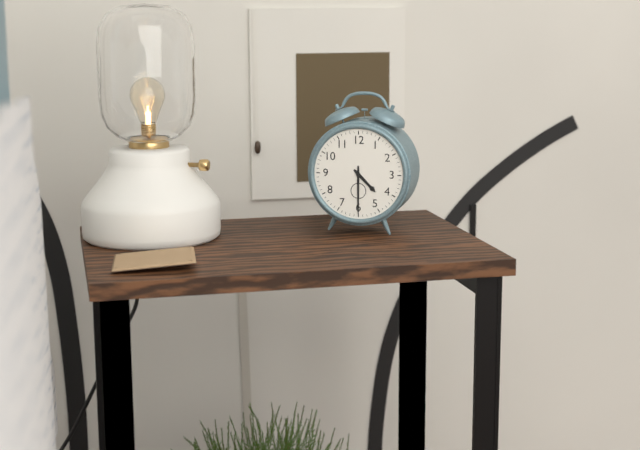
h=4 m=30
